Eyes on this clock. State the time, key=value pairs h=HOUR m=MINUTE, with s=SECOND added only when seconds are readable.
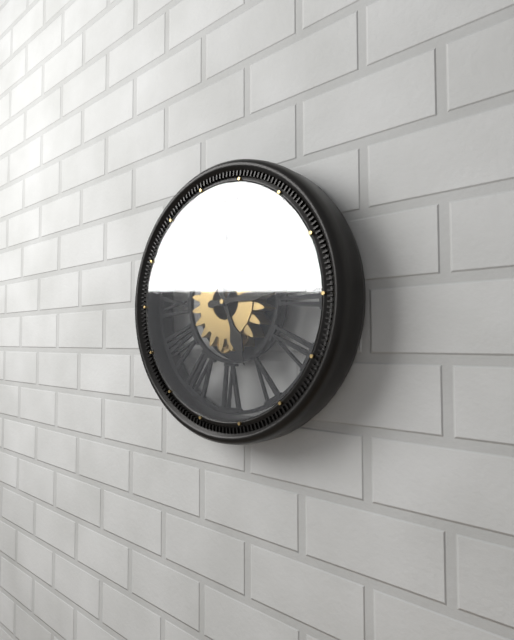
h=5 m=14
